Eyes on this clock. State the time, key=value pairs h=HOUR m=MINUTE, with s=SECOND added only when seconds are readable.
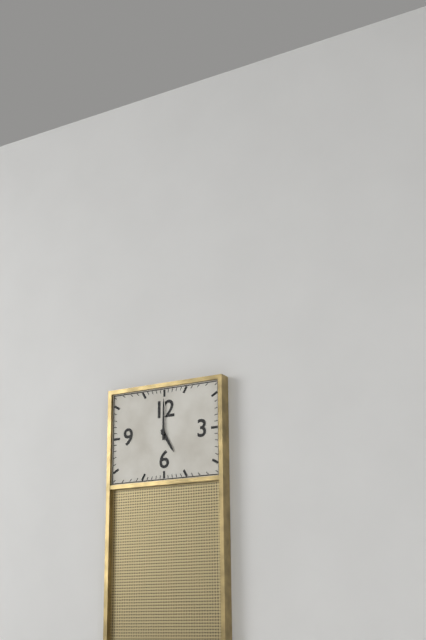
h=5 m=0
